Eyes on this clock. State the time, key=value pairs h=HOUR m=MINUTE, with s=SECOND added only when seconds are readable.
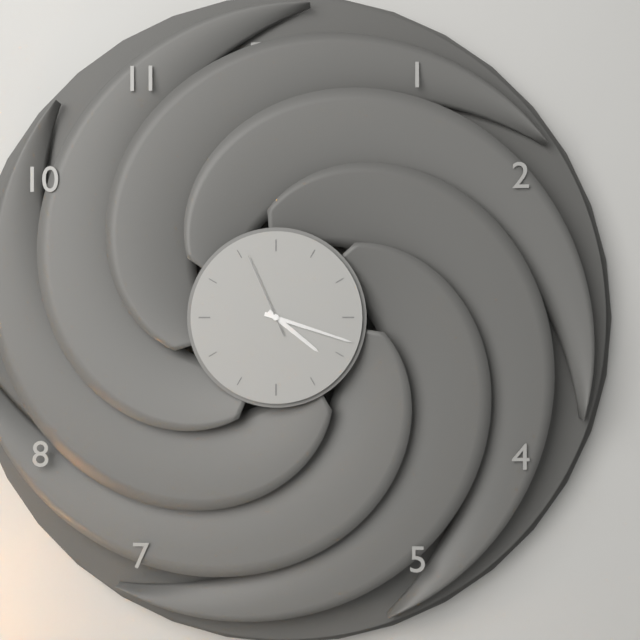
h=4 m=18 s=56
